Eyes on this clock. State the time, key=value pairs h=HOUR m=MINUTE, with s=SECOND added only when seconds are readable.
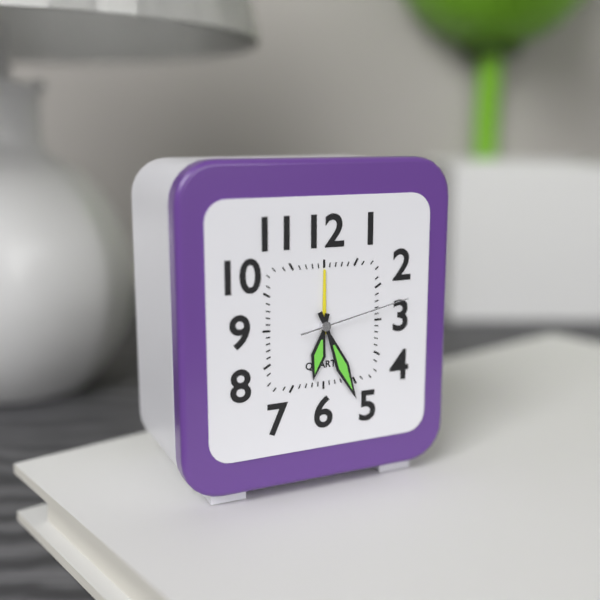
h=6 m=26 s=13
